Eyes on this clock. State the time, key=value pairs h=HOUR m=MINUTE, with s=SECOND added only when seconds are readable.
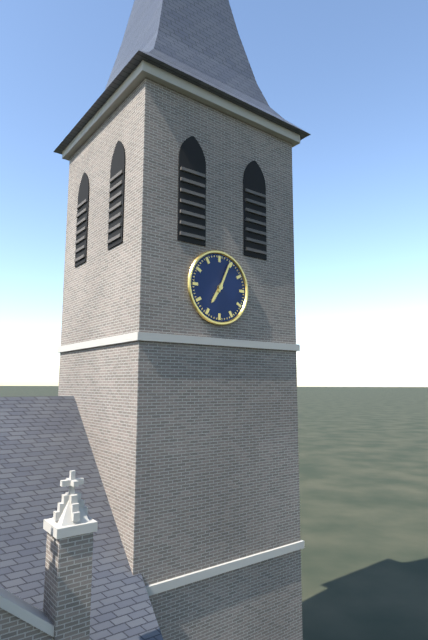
h=7 m=4
